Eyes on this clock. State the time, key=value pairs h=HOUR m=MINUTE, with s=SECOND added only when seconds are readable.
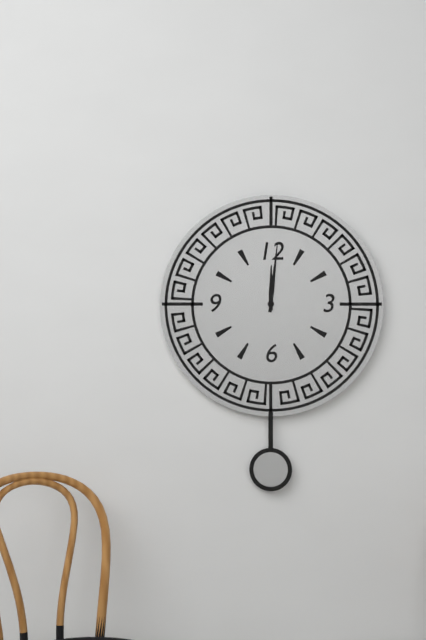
h=12 m=1
